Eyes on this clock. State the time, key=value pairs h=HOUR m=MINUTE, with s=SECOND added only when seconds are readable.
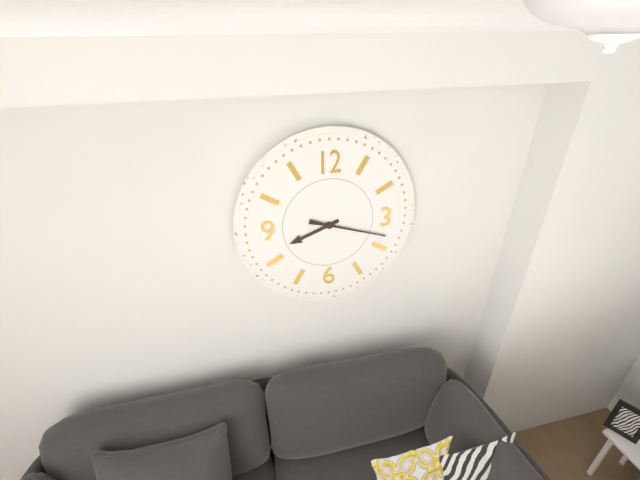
h=8 m=18
